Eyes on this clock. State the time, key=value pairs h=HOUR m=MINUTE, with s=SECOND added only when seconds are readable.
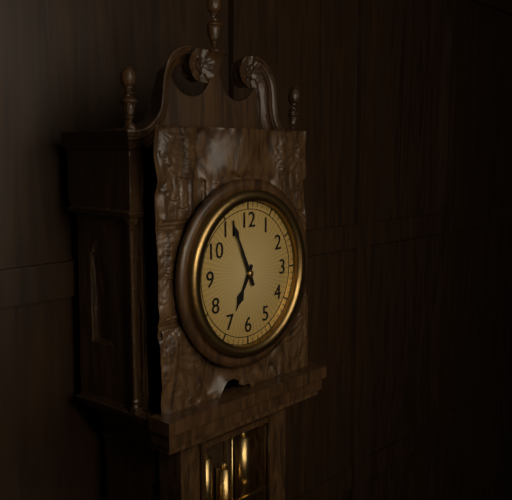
h=6 m=56
